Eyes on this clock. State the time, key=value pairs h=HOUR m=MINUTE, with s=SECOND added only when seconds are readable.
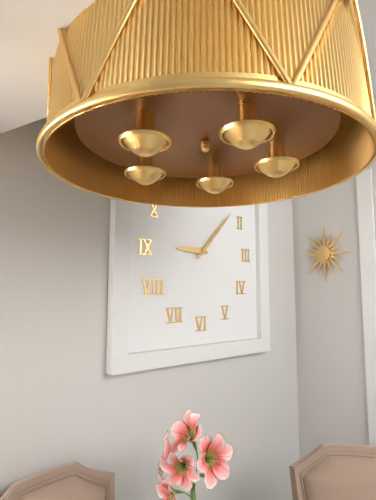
h=9 m=7
